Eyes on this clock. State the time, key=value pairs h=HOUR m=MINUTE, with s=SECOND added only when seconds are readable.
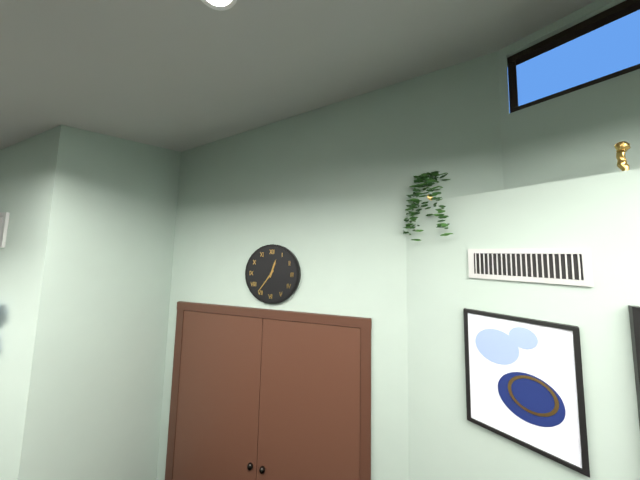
h=12 m=36
